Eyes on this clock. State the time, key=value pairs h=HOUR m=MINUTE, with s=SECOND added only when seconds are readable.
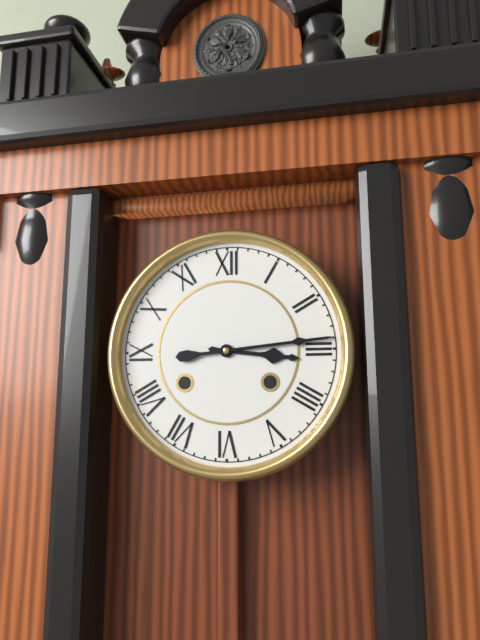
h=3 m=14
